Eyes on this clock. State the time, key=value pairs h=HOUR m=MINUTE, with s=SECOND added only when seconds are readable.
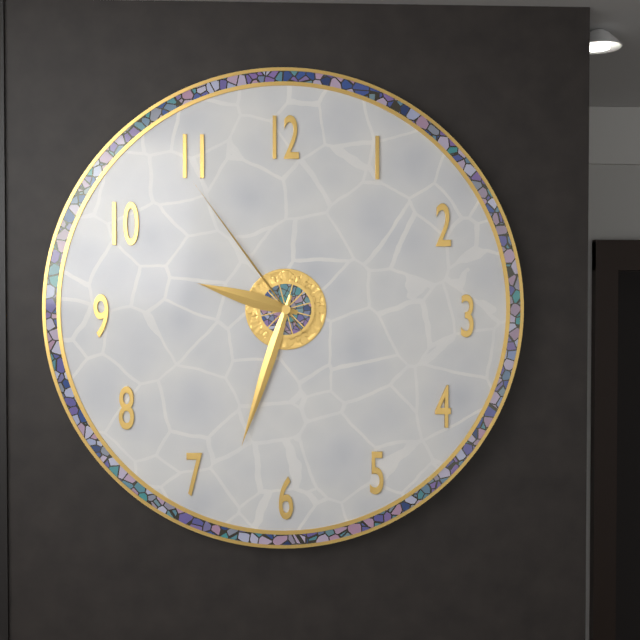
h=9 m=33 s=54
